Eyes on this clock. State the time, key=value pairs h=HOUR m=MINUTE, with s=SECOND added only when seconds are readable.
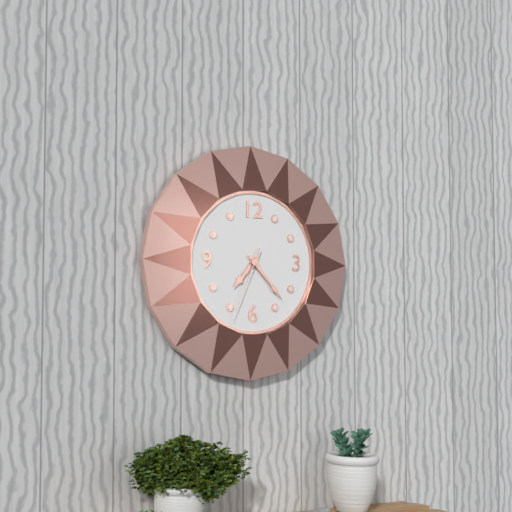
h=7 m=23 s=34
